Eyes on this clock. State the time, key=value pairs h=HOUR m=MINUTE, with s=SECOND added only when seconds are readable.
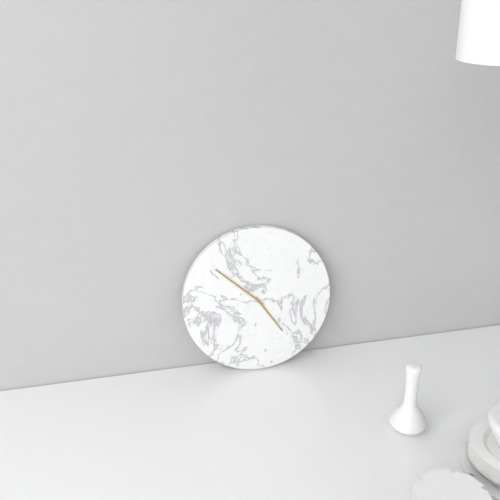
h=4 m=52
